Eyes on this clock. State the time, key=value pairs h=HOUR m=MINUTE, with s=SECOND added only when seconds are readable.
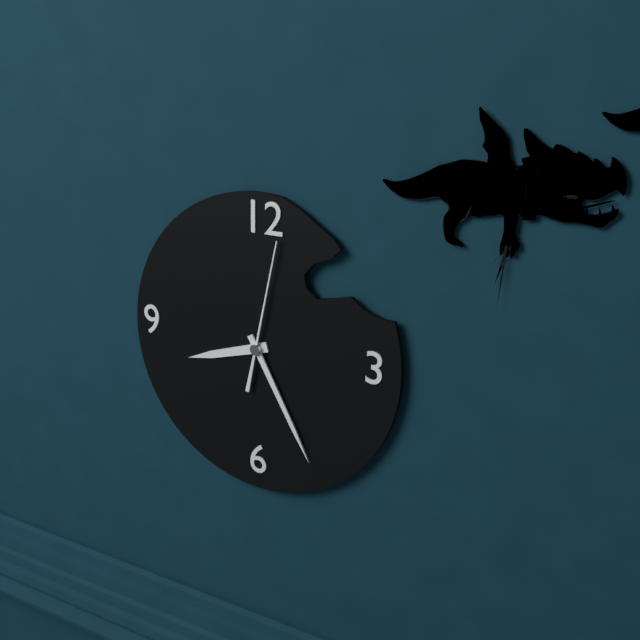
h=8 m=25 s=2
